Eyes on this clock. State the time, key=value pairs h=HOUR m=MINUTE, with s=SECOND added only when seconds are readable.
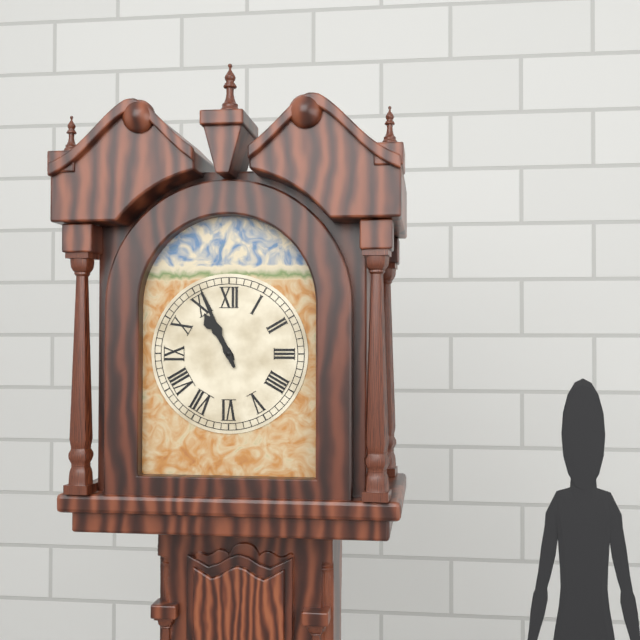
h=10 m=56
